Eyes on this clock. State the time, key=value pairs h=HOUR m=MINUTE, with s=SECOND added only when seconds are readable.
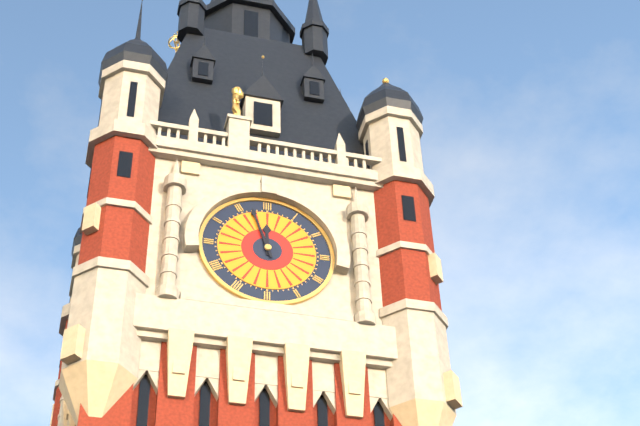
h=11 m=57
